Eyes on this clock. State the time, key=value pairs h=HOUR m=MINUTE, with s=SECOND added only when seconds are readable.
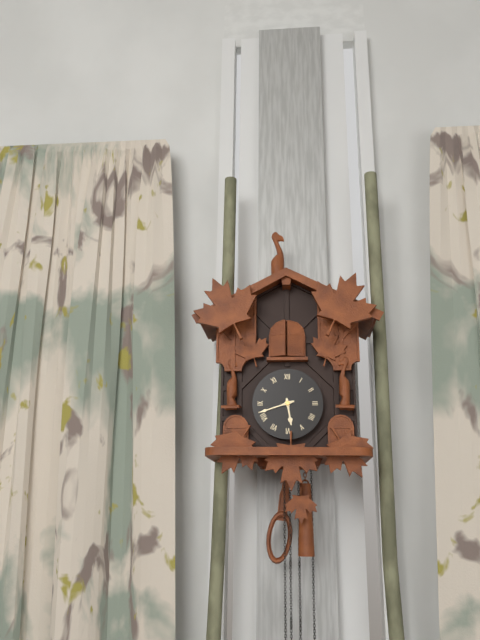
h=5 m=42
